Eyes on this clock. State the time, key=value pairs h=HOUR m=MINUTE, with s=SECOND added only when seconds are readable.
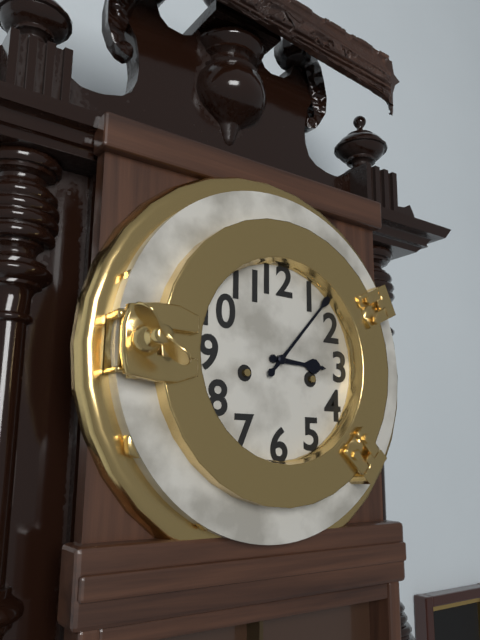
h=3 m=7
